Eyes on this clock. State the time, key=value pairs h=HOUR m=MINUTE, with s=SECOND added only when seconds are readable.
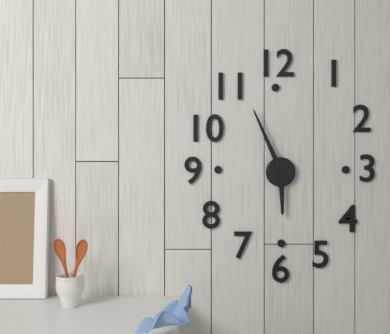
h=5 m=56
